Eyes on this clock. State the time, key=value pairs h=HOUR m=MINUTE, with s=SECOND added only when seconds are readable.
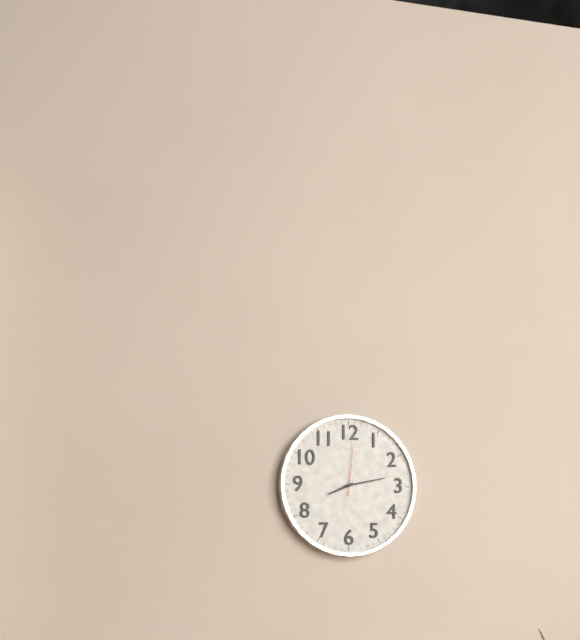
h=8 m=13 s=1
